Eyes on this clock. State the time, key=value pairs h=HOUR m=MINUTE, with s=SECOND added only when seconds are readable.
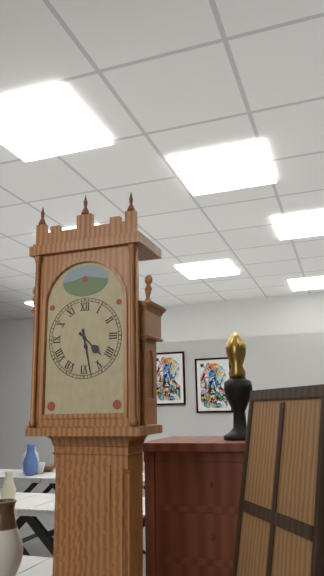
h=4 m=28
